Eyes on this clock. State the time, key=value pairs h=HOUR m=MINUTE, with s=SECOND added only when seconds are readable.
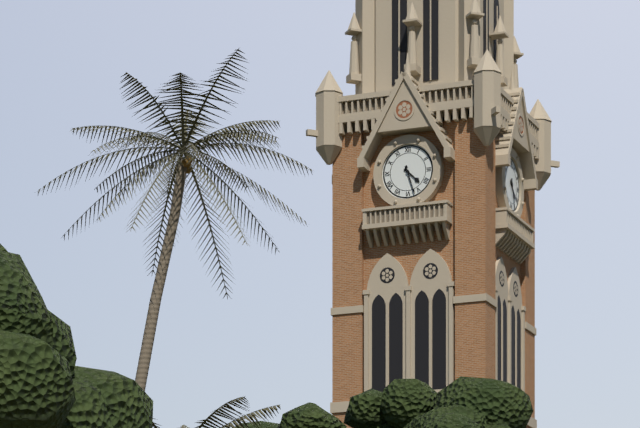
h=4 m=27
